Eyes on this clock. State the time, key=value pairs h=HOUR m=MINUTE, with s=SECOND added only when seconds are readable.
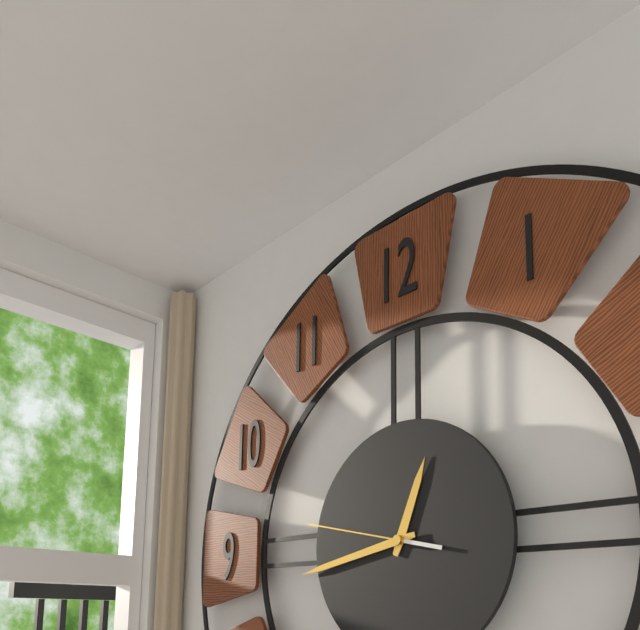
h=12 m=43 s=47
